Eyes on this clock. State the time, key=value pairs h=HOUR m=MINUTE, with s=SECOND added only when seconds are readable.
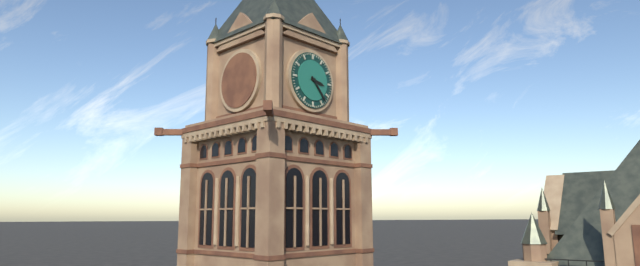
h=3 m=23
